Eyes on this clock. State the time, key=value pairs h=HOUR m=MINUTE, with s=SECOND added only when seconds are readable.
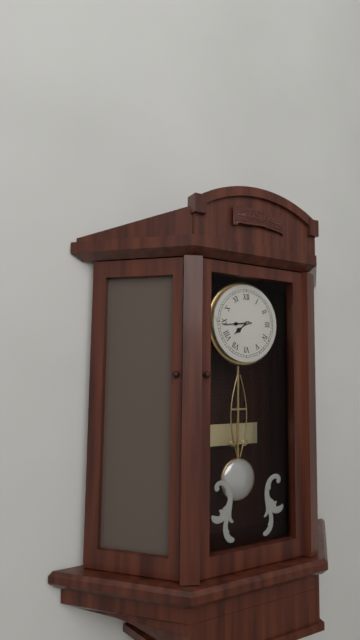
h=7 m=44
